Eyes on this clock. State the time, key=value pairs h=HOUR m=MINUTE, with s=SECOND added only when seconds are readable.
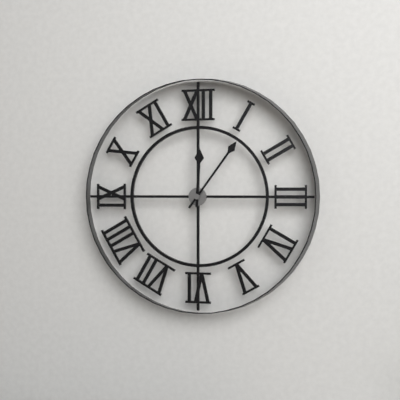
h=12 m=6
